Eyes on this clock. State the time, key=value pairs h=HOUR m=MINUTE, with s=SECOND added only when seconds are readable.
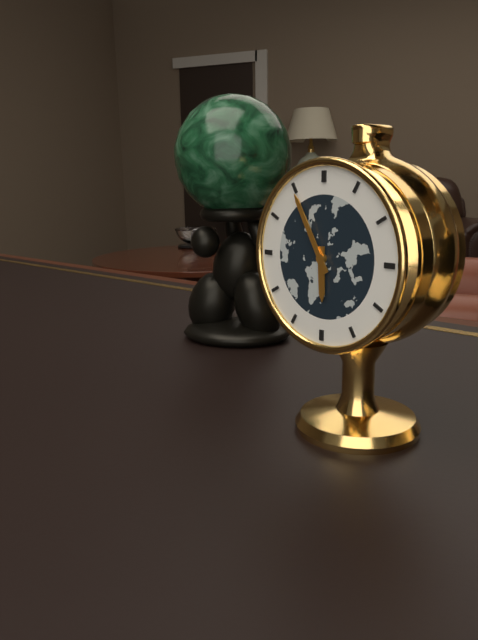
h=5 m=55
